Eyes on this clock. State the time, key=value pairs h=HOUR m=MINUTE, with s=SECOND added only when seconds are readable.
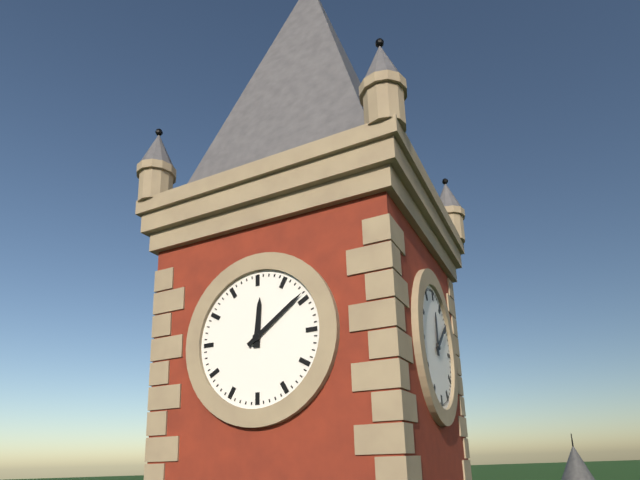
h=12 m=9
